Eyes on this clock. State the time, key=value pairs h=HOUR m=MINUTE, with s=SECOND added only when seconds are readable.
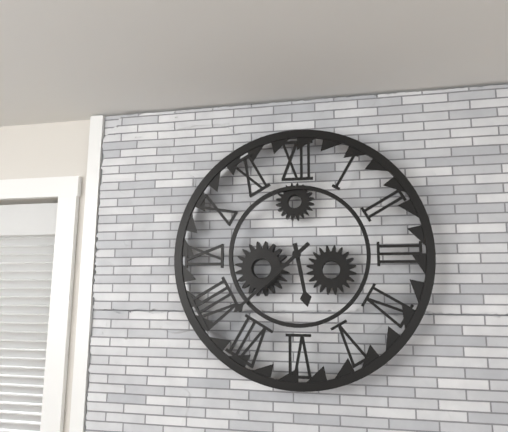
h=5 m=38
